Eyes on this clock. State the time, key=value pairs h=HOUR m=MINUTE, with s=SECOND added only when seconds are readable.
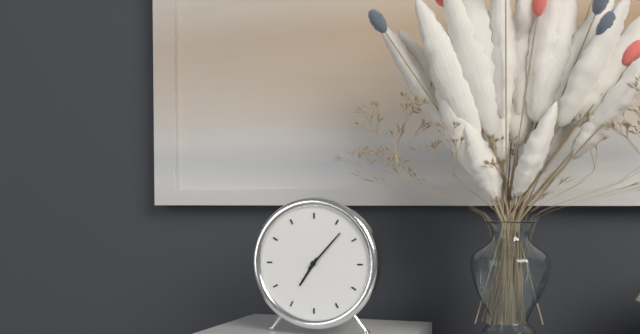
h=7 m=7
